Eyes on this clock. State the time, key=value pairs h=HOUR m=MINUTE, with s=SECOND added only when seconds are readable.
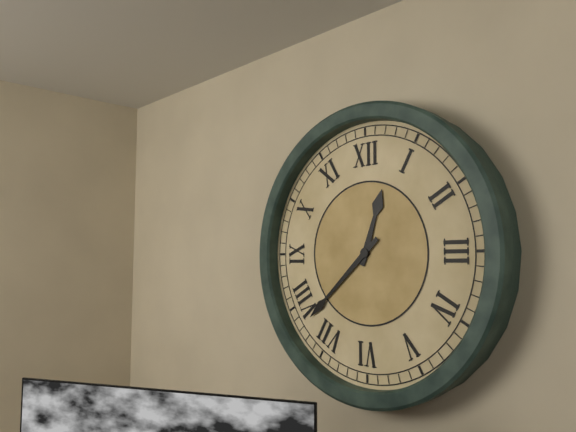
h=12 m=38
